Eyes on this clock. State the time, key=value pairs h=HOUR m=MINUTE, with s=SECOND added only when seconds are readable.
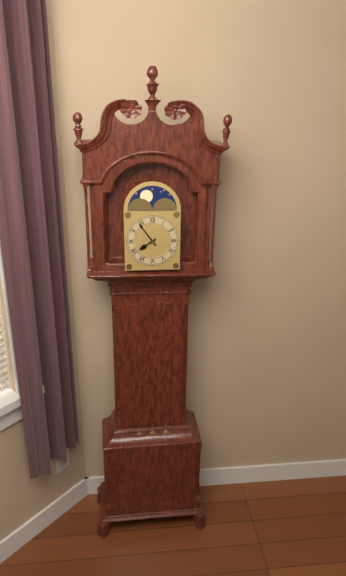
h=7 m=54
